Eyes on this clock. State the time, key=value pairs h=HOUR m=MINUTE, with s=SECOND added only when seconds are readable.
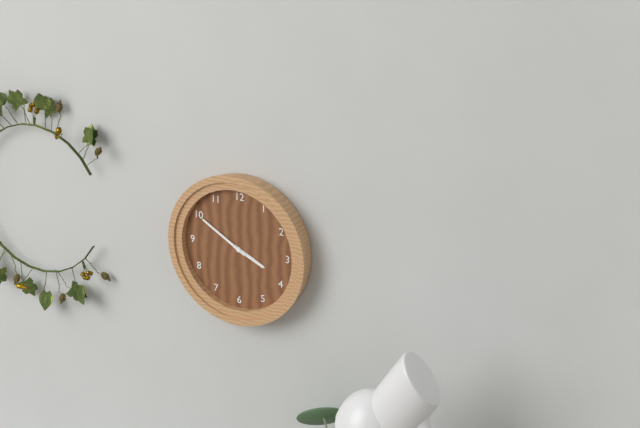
h=3 m=50
